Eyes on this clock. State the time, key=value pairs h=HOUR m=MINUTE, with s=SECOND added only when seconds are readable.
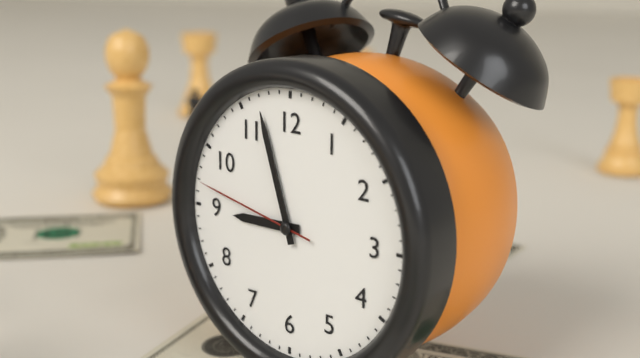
h=8 m=57 s=47
